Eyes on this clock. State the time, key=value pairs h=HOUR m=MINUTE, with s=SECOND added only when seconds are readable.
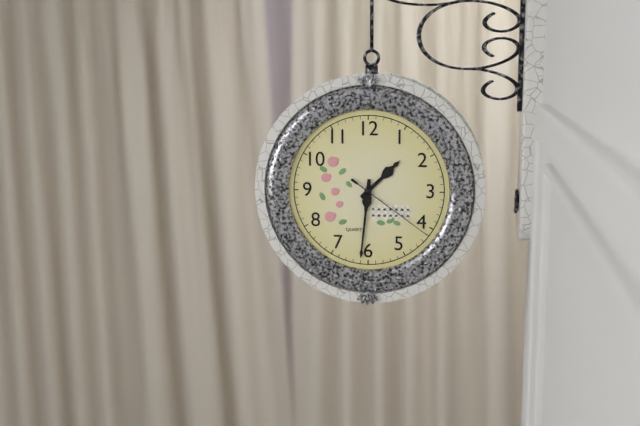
h=1 m=31 s=21
